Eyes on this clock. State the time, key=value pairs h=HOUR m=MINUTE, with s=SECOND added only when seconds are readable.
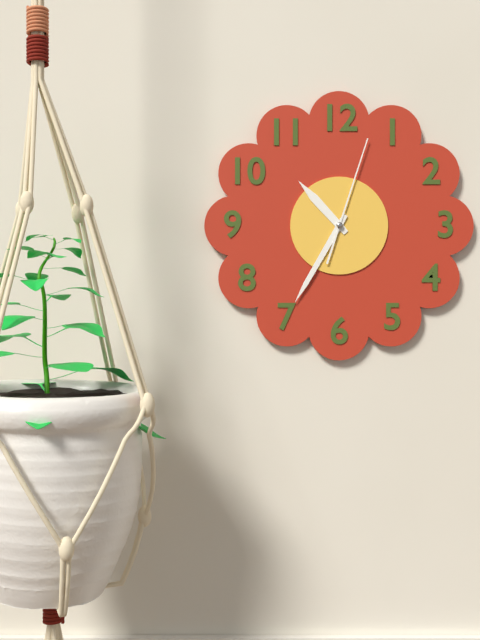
h=10 m=35 s=3
